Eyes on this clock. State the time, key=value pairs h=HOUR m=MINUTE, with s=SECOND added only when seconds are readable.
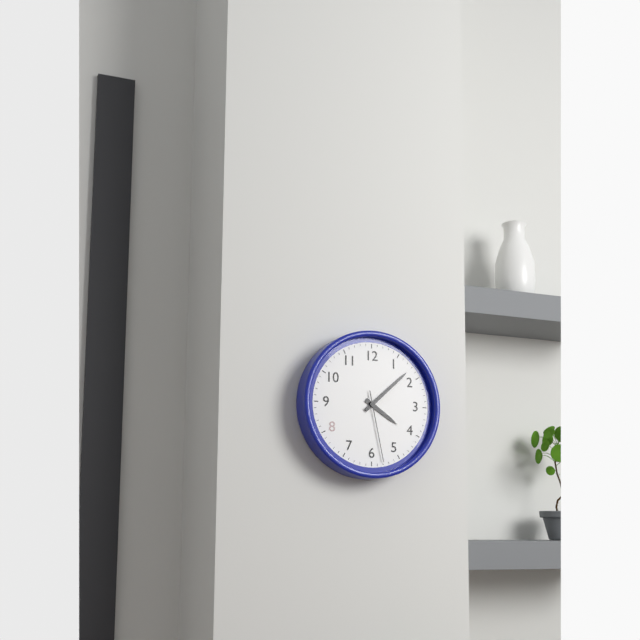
h=4 m=8 s=28
